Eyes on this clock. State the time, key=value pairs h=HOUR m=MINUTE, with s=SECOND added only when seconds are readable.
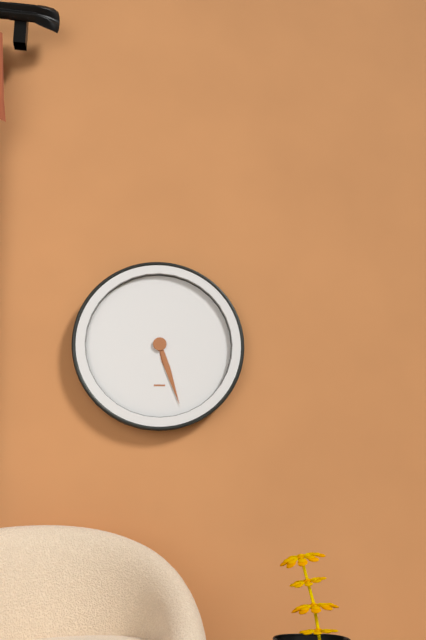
h=5 m=27
